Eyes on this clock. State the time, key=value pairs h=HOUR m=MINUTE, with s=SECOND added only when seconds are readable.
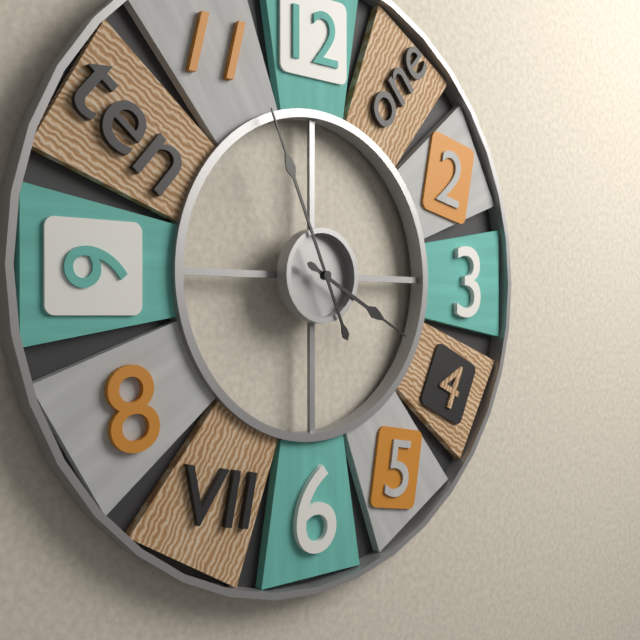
h=3 m=56
